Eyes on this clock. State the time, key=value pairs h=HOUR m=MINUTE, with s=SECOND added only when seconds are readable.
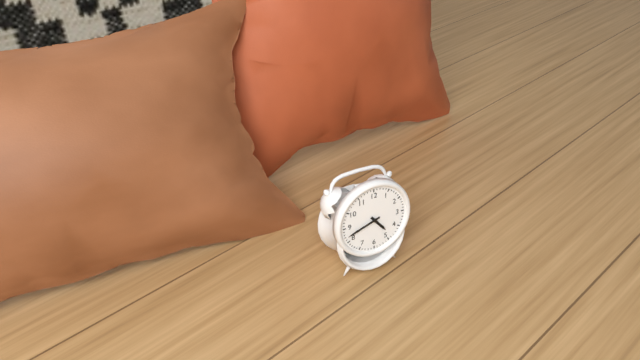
h=4 m=42
